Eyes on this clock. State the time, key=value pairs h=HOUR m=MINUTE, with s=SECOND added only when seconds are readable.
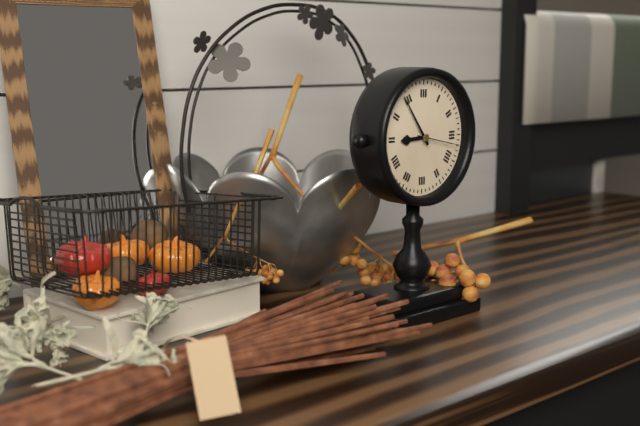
h=8 m=54 s=17
